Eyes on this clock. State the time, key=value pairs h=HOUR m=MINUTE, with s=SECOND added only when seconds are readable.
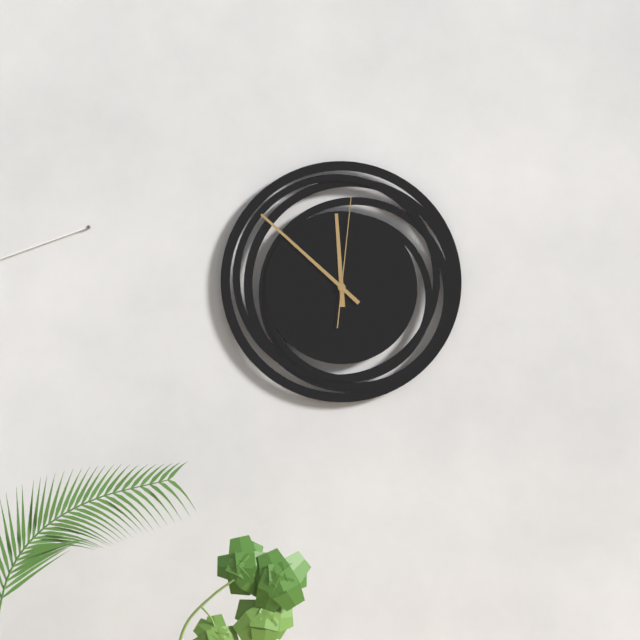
h=11 m=52 s=1
